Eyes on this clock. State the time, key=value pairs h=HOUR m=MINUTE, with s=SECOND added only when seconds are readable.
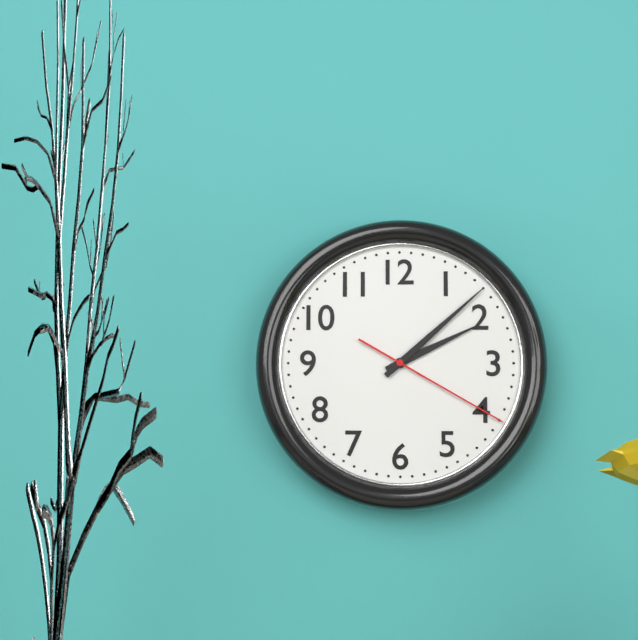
h=2 m=8 s=20
